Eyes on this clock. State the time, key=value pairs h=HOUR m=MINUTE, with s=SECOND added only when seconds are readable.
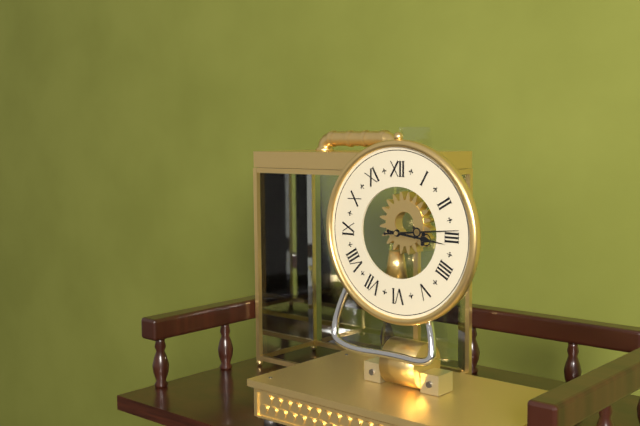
h=3 m=14
